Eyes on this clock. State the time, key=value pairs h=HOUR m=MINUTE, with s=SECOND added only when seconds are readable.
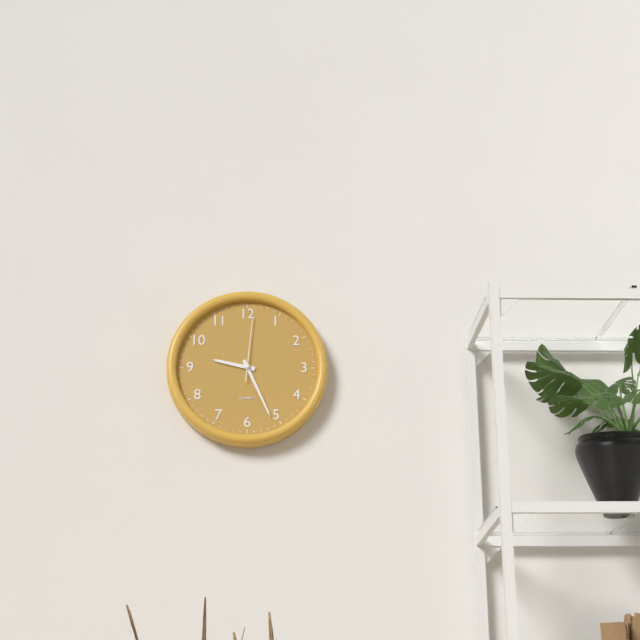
h=9 m=26 s=1
